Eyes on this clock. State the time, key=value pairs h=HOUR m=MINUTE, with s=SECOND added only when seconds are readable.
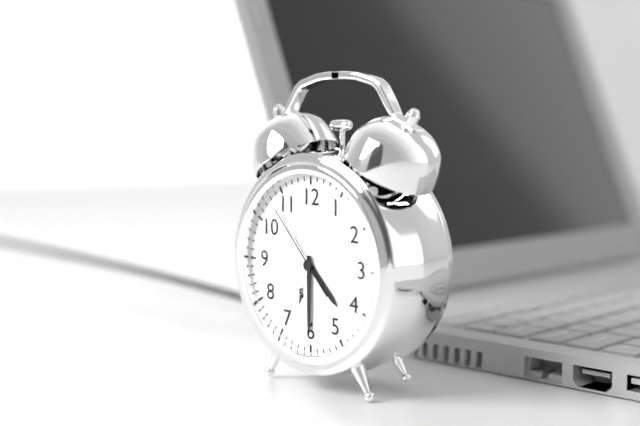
h=4 m=30 s=53
